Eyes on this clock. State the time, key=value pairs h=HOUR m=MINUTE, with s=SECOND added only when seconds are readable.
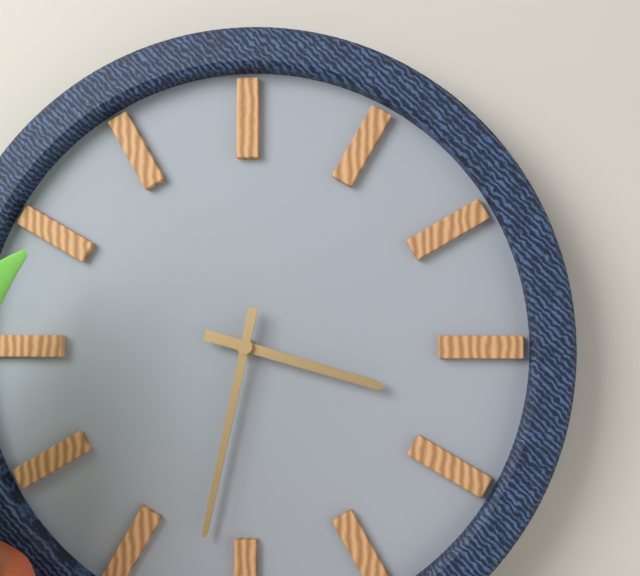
h=3 m=32
